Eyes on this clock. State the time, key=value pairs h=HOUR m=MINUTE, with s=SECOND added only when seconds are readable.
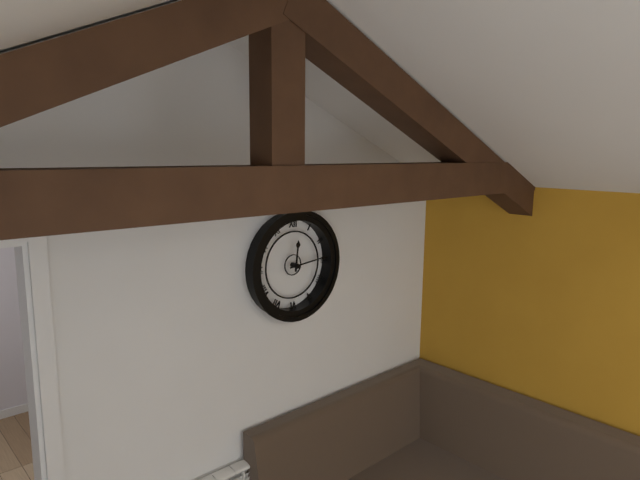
h=12 m=14
